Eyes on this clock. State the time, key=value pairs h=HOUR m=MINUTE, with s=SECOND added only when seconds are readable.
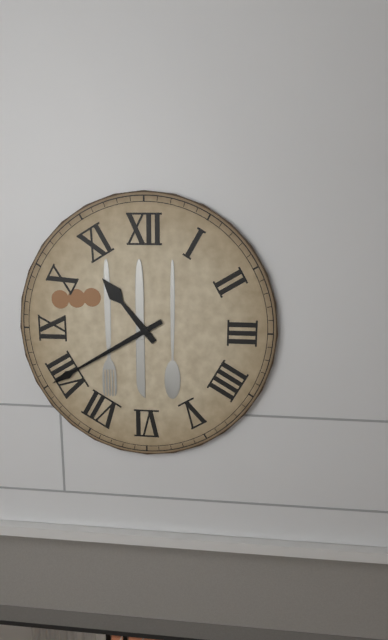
h=10 m=40
